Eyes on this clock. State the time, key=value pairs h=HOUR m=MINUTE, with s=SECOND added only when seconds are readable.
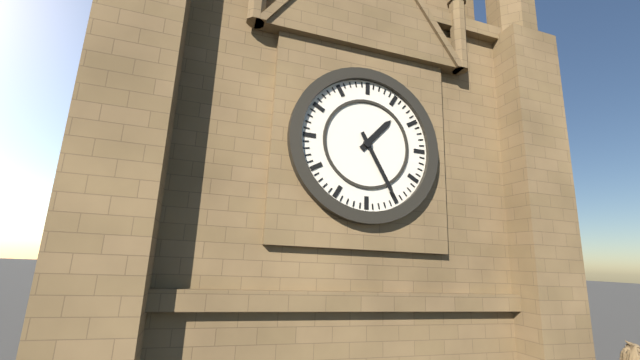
h=1 m=25
